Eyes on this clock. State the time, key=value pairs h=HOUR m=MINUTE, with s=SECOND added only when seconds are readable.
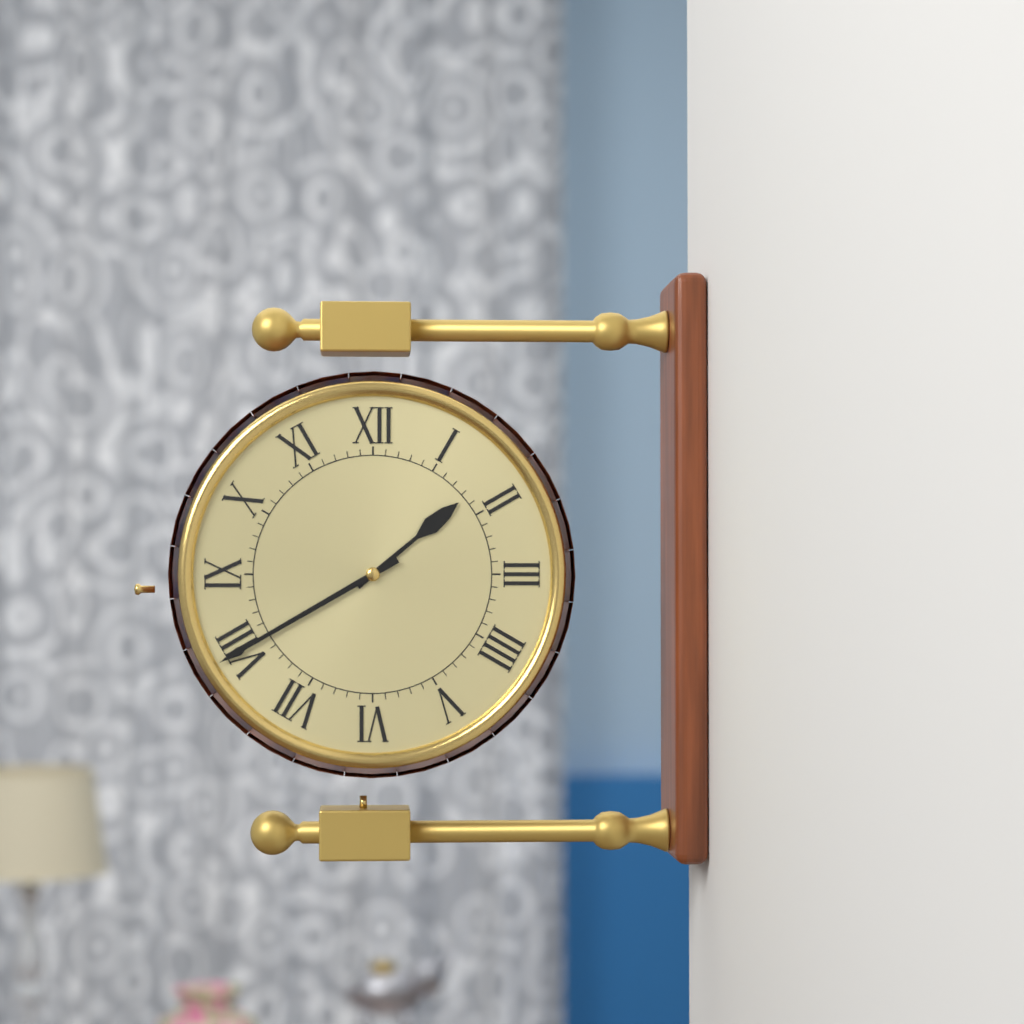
h=1 m=40
